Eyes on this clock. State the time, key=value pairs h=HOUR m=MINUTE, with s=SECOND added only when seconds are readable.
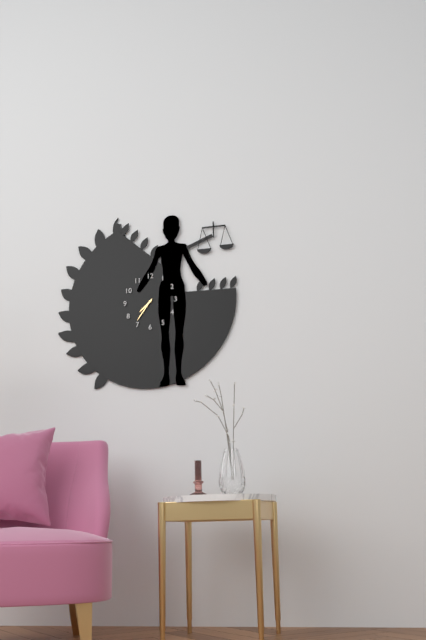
h=7 m=36
